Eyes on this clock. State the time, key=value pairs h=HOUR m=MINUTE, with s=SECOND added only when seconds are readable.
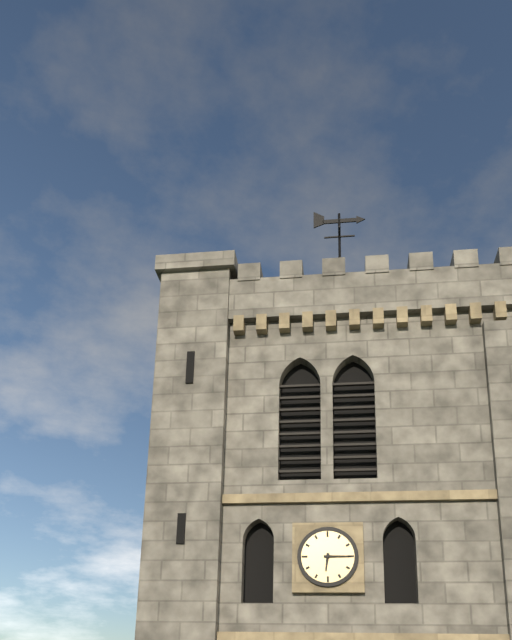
h=6 m=15
